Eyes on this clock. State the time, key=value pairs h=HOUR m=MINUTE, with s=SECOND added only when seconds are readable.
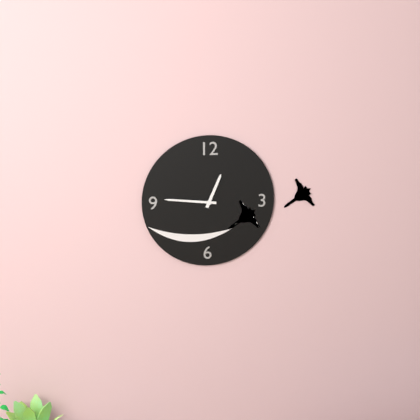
h=12 m=46
